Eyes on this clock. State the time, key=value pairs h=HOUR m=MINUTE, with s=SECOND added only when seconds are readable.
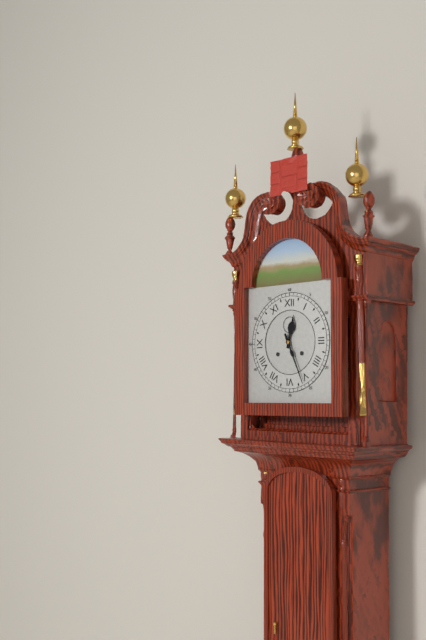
h=12 m=26
